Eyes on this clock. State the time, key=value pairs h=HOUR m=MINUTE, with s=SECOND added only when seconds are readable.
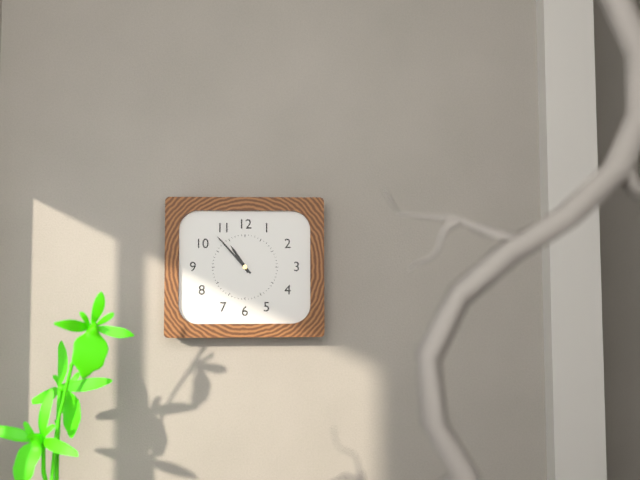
h=10 m=53
